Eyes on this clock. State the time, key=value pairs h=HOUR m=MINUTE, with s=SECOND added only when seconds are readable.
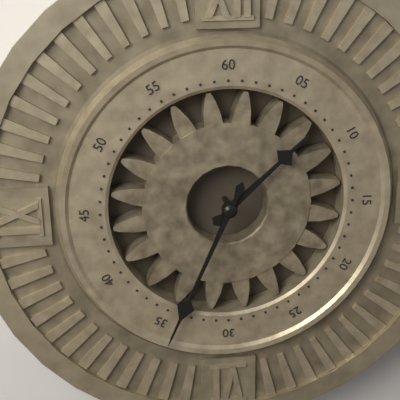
h=1 m=34
